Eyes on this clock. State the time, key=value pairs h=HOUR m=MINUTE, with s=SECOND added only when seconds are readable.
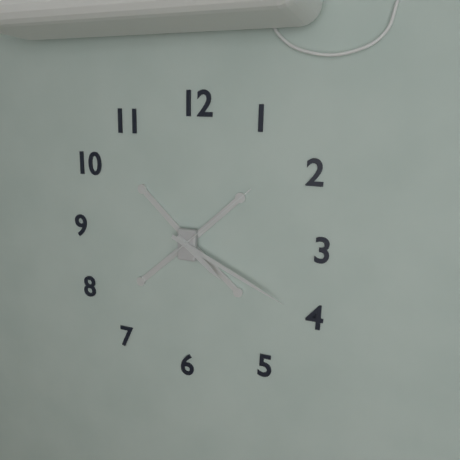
h=4 m=19 s=8
